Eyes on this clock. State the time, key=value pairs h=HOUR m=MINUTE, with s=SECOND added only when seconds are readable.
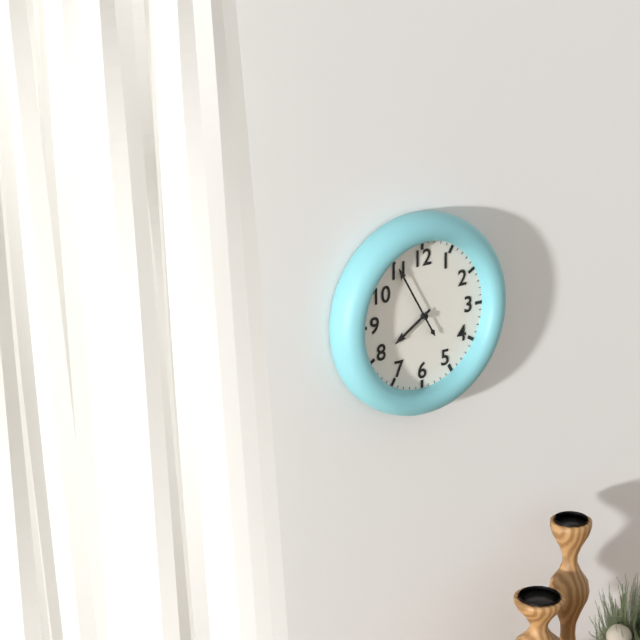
h=7 m=55
